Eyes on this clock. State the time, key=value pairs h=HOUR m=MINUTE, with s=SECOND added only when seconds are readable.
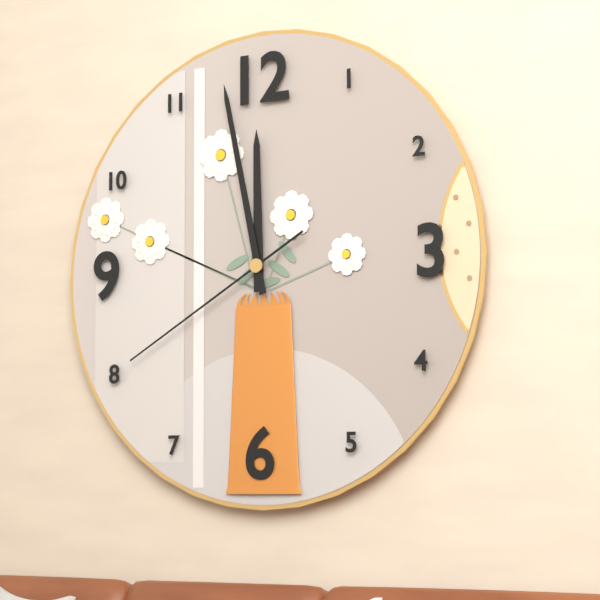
h=11 m=58 s=40
